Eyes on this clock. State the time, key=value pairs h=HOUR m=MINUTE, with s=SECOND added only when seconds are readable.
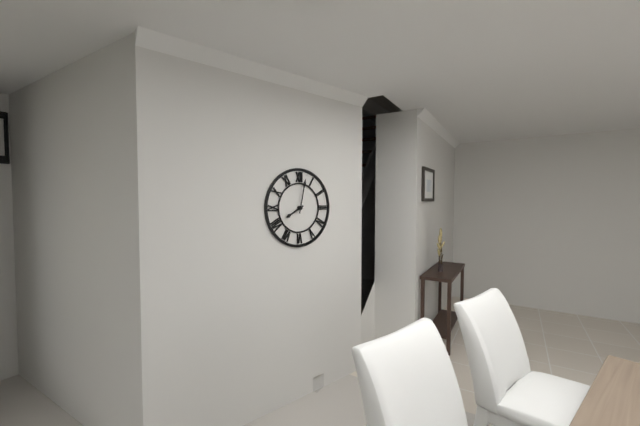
h=8 m=2
